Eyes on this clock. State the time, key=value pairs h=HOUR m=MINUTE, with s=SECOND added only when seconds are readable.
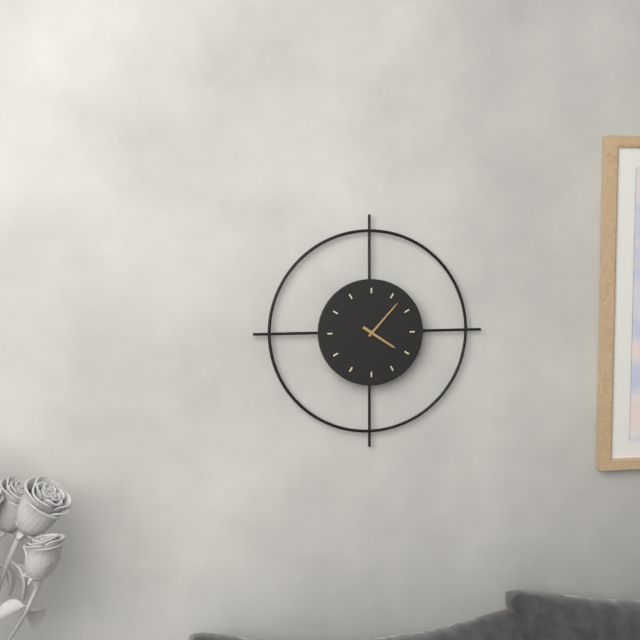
h=4 m=7
